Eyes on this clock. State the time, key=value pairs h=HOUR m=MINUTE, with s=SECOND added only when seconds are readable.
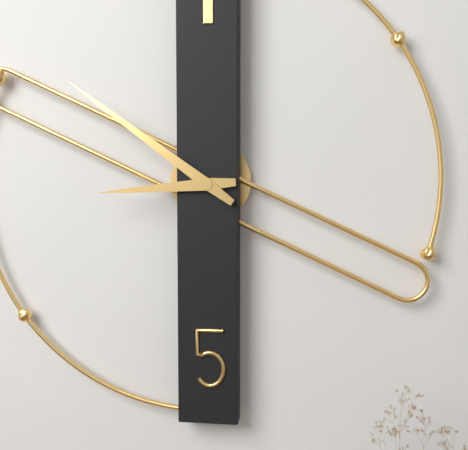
h=8 m=51
